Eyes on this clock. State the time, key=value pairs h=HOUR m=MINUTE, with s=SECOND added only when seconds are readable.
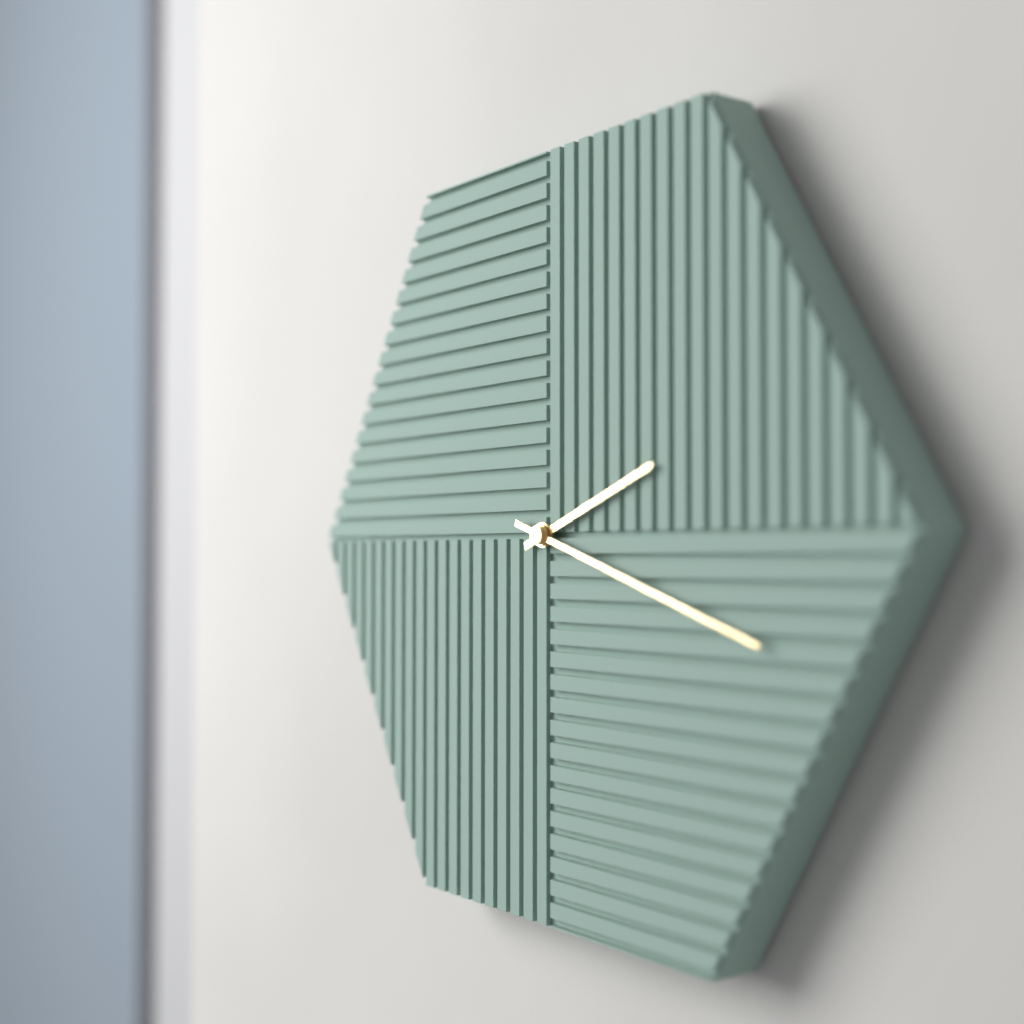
h=2 m=18
